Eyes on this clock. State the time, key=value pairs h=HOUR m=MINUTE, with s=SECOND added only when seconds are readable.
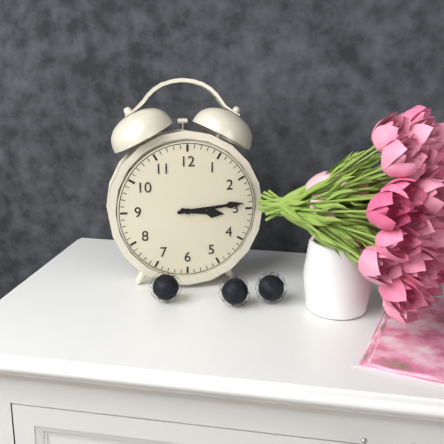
h=3 m=14
